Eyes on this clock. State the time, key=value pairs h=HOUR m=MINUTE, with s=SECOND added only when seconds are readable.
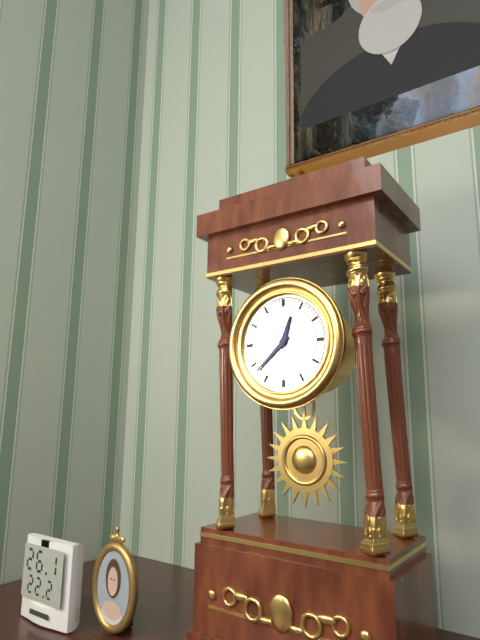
h=12 m=38
